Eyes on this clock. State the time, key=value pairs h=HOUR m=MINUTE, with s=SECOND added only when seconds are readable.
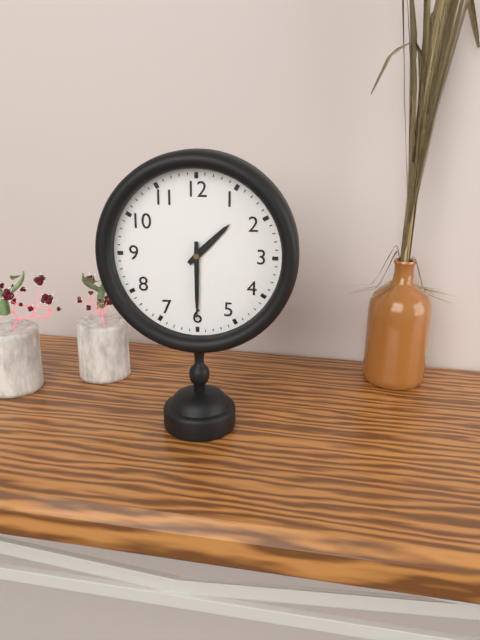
h=1 m=30
